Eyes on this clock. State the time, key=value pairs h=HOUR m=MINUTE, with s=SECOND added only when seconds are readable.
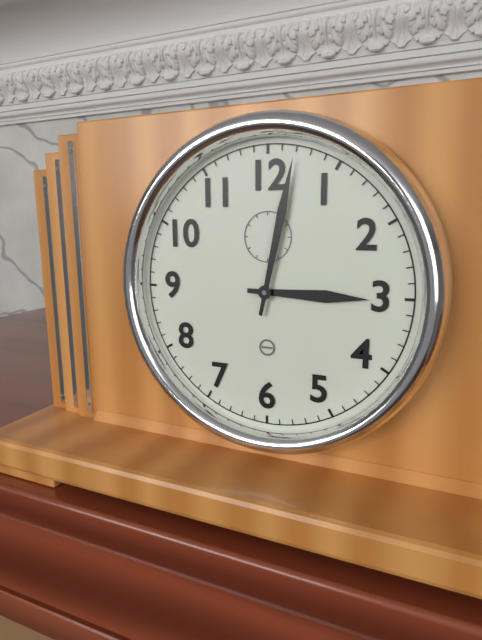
h=3 m=2
